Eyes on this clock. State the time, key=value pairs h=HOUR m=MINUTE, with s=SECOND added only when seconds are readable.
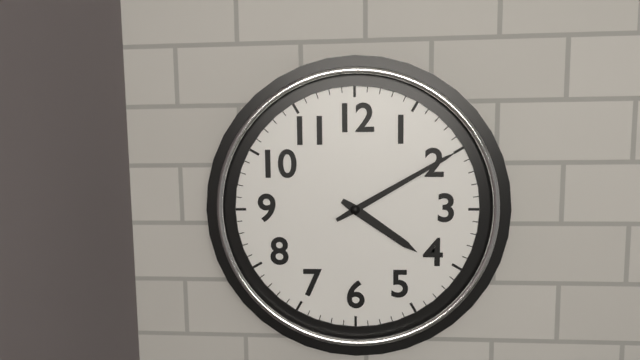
h=4 m=10
